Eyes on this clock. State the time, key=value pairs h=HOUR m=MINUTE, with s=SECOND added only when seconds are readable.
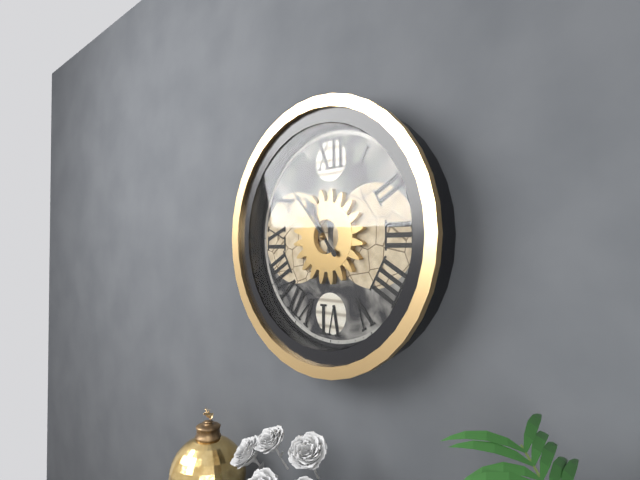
h=10 m=53
